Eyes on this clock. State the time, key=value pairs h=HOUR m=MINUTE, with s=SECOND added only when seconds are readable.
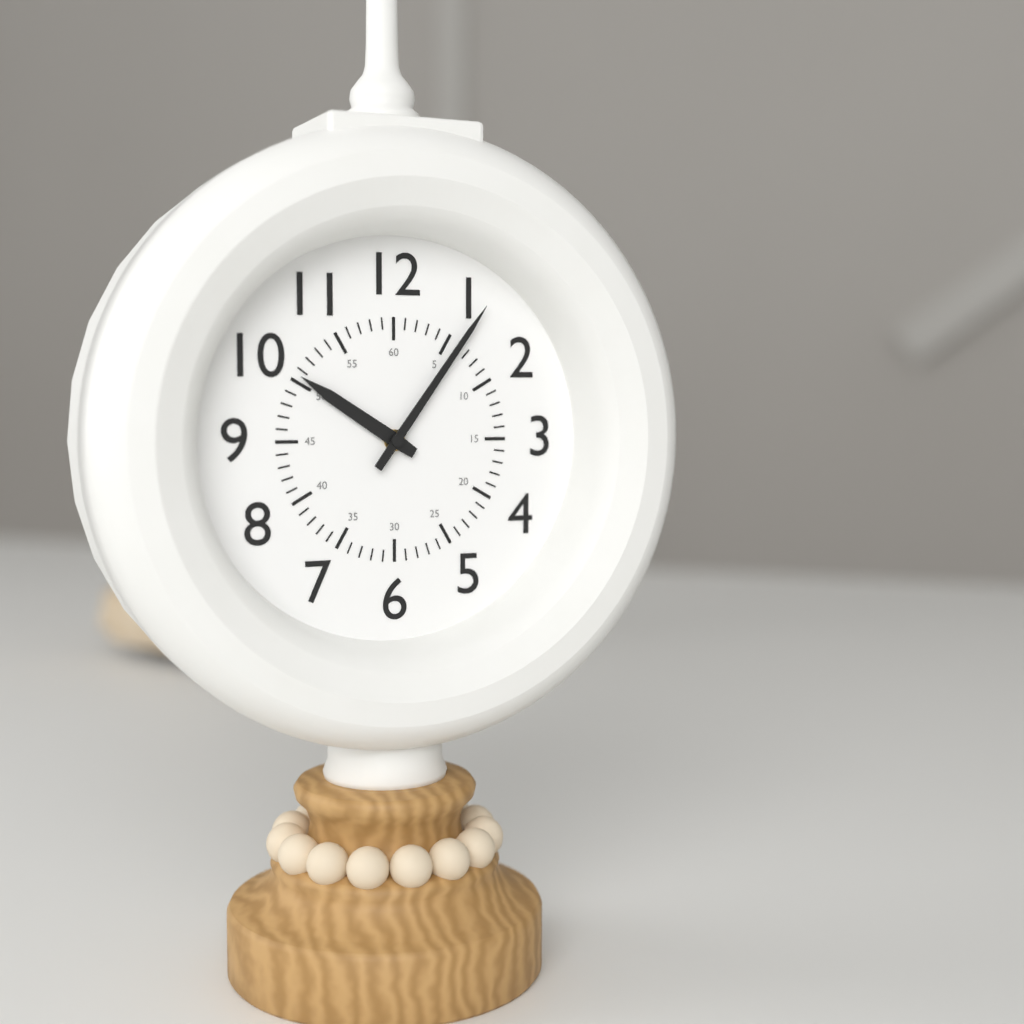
h=10 m=6
